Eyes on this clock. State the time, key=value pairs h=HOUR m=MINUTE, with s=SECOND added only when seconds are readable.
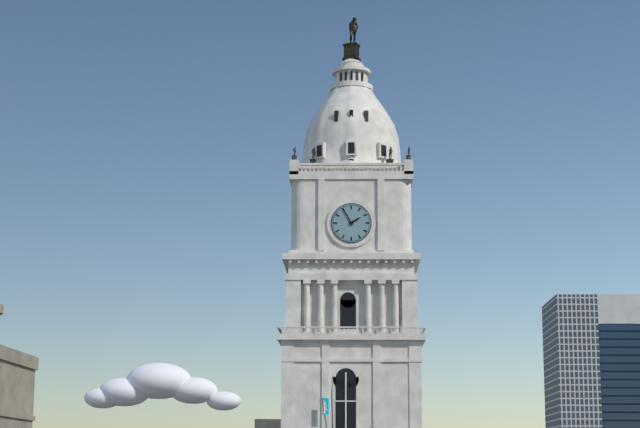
h=1 m=55
